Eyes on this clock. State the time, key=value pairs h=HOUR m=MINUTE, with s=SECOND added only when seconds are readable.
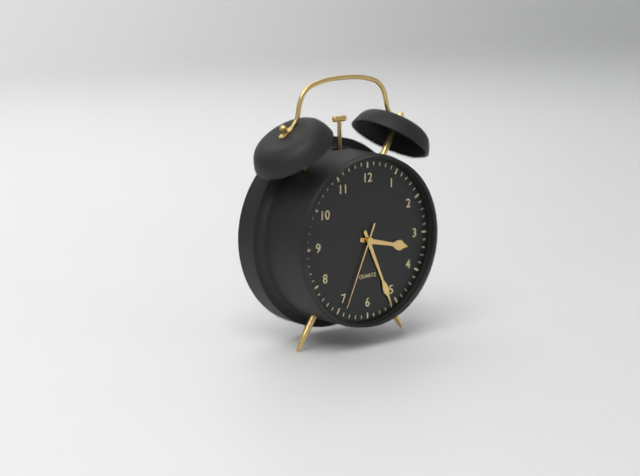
h=3 m=26 s=34
